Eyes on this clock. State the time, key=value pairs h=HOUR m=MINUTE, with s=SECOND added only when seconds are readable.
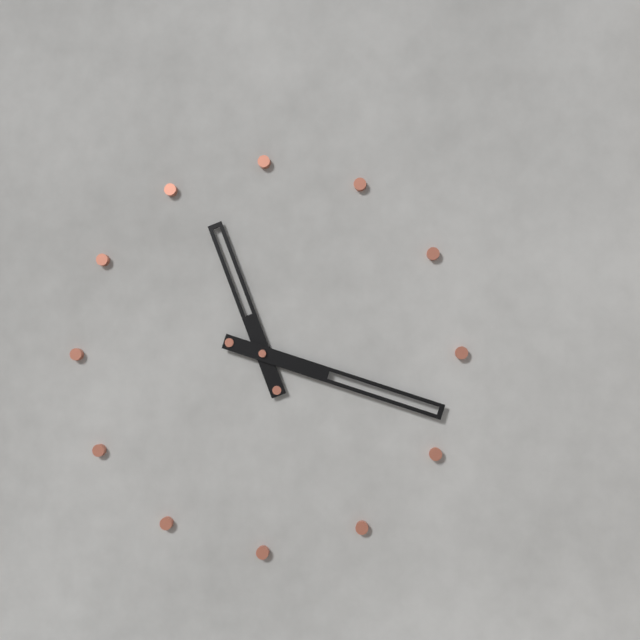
h=11 m=18
